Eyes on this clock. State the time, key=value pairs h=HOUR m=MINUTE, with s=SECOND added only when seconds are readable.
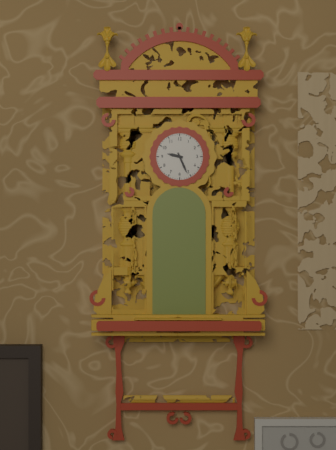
h=9 m=26
